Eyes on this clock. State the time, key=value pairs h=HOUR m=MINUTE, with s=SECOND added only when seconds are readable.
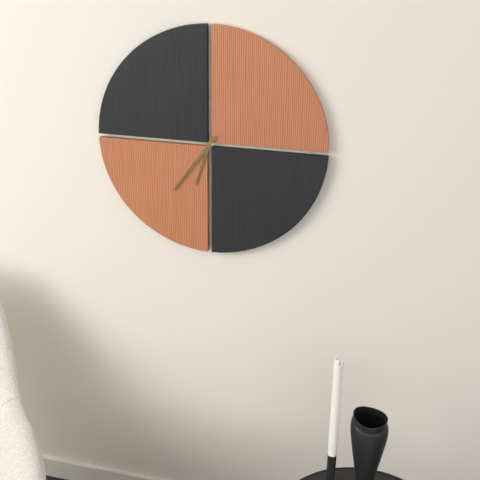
h=6 m=36
